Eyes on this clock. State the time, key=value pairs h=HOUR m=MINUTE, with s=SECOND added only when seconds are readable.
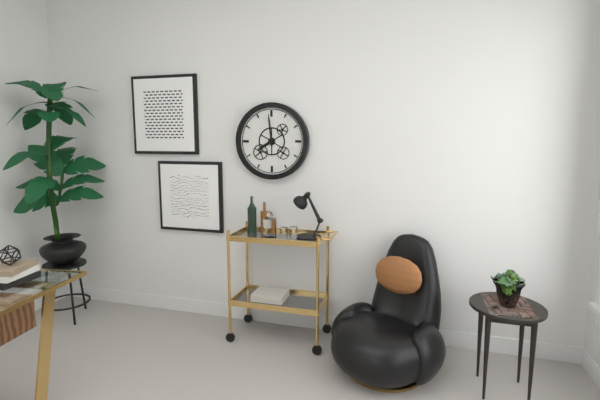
h=7 m=59
